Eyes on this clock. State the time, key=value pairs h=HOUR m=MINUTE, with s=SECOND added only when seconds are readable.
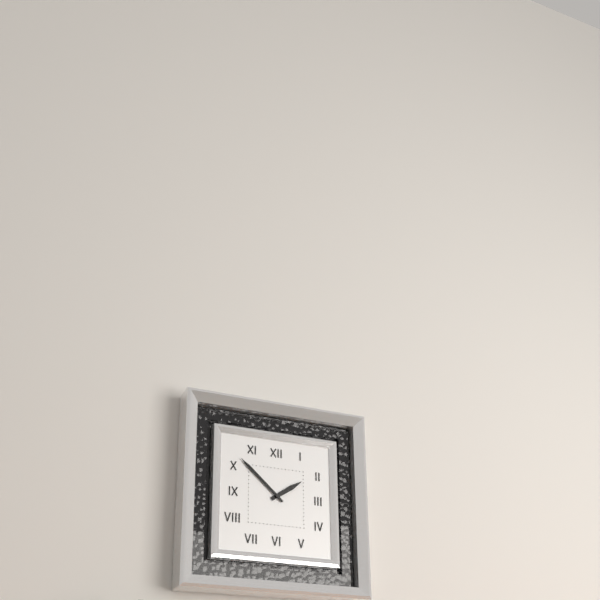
h=1 m=52
